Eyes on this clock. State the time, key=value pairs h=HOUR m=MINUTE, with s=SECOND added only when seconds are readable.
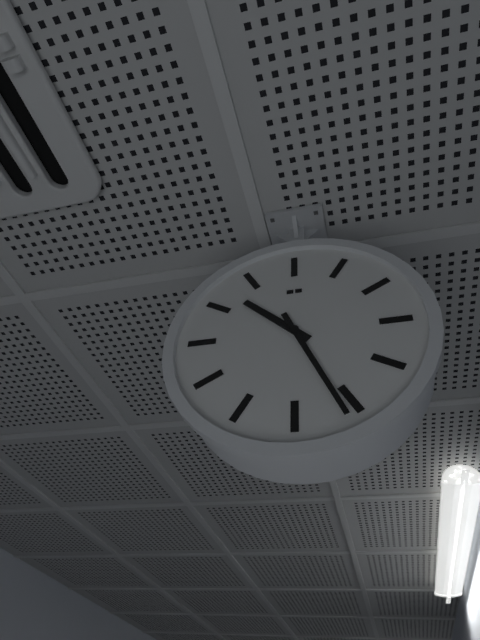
h=10 m=26
